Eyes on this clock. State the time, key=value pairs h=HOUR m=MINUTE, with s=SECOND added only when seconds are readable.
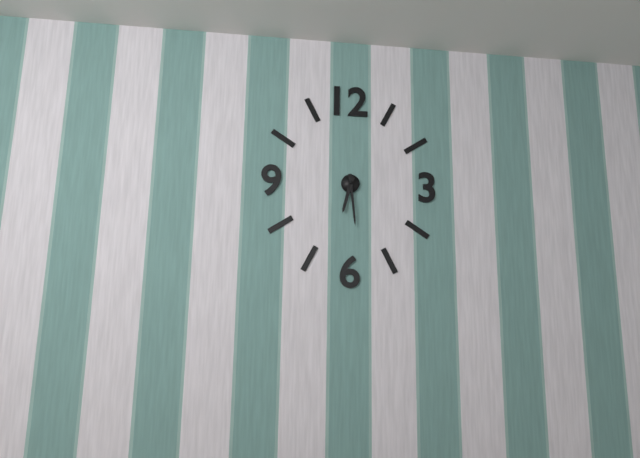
h=6 m=29
